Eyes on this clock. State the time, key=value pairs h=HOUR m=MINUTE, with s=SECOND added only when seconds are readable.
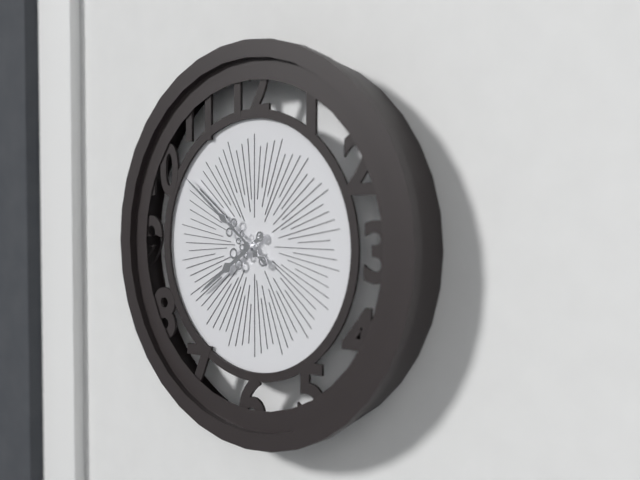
h=7 m=51
